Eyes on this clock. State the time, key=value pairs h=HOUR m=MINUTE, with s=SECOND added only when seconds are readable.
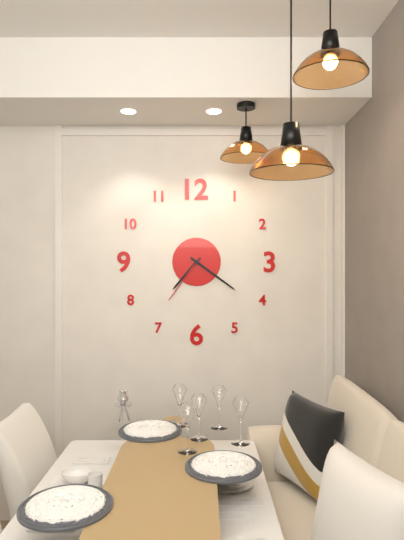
h=7 m=21 s=36
